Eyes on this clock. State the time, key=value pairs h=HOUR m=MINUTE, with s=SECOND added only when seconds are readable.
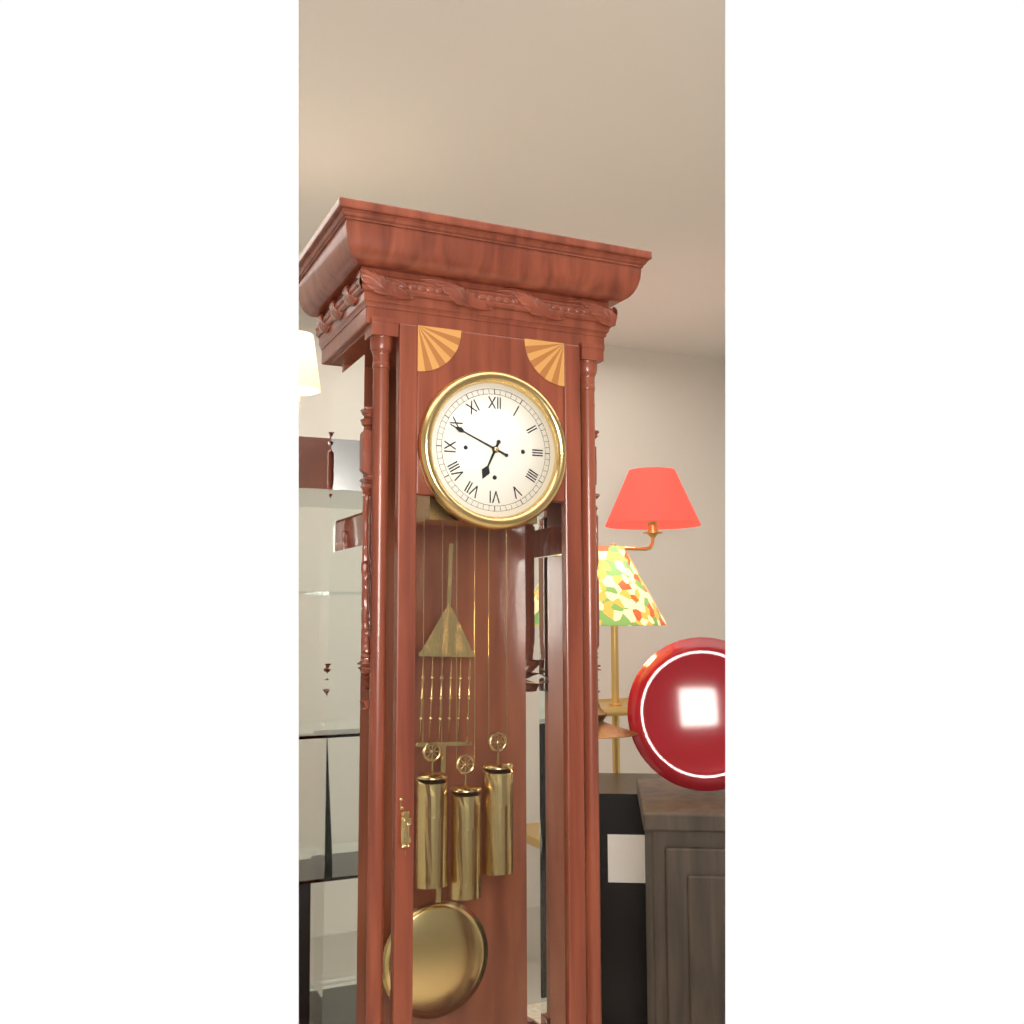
h=6 m=49
